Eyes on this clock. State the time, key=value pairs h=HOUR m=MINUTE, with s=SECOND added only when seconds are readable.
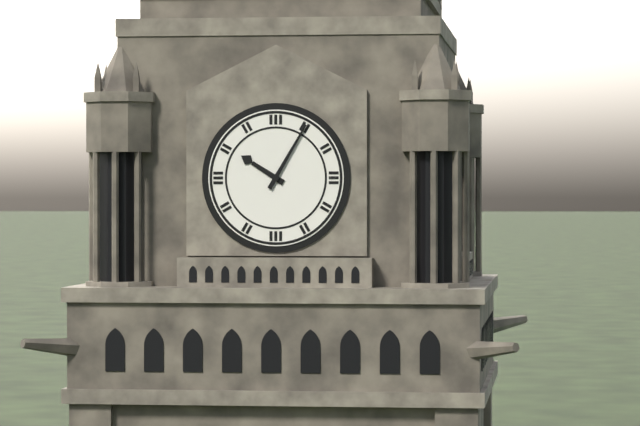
h=10 m=5
